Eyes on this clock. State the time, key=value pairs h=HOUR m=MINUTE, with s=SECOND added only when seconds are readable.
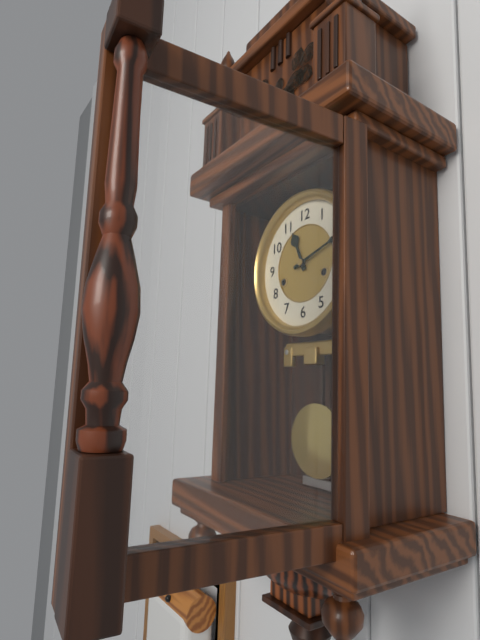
h=11 m=12
